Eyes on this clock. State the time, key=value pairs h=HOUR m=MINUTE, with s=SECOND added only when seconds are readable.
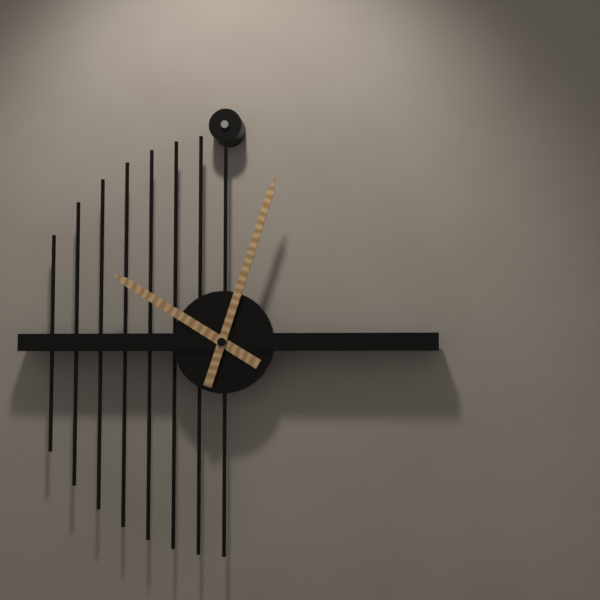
h=10 m=3
